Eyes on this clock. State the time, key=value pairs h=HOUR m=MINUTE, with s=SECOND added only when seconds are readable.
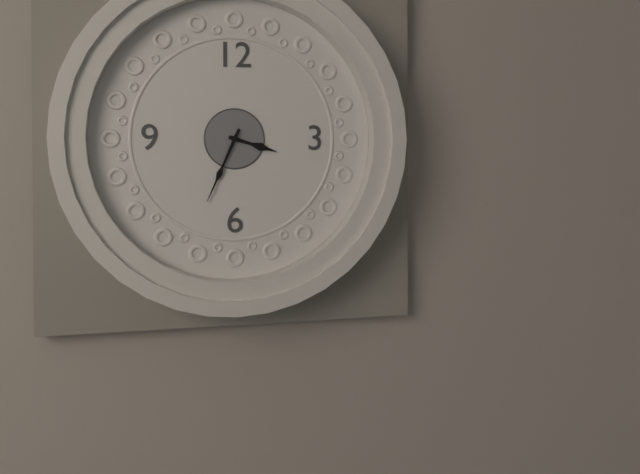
h=3 m=34
